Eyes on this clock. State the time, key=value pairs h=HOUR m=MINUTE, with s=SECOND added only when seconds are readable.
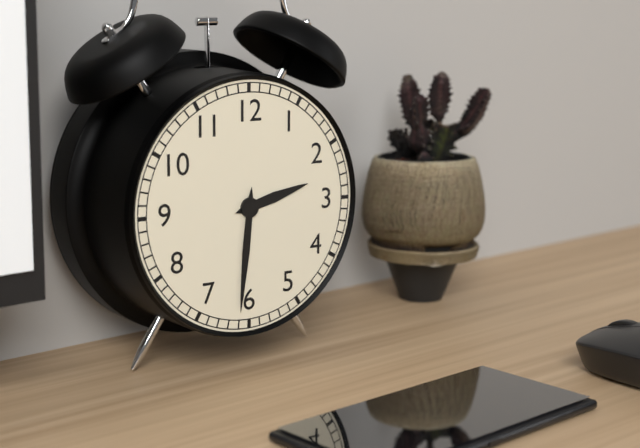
h=2 m=31
